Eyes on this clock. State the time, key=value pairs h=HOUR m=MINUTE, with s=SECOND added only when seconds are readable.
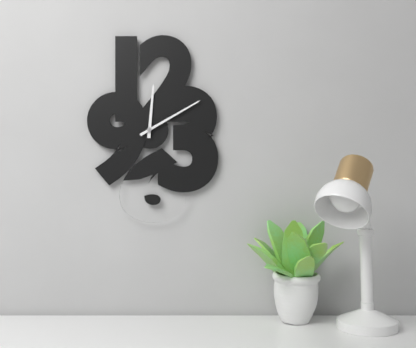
h=12 m=10
